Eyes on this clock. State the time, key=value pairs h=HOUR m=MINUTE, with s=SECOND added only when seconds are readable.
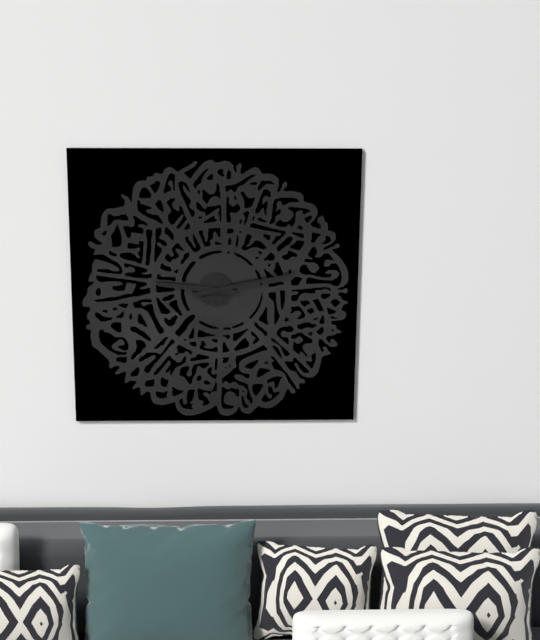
h=9 m=13
